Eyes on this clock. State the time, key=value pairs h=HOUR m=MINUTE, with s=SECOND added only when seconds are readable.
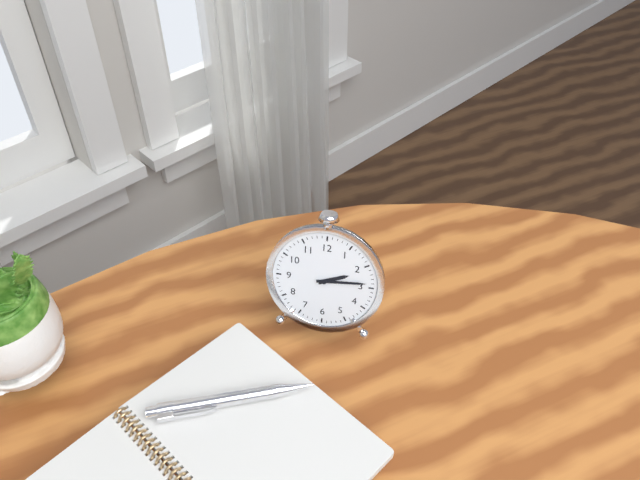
h=2 m=14
